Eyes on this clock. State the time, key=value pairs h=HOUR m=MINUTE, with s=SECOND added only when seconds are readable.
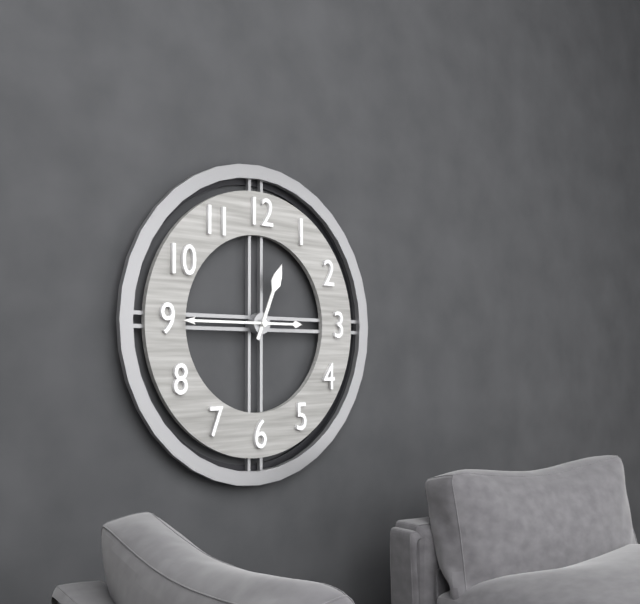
h=12 m=45
